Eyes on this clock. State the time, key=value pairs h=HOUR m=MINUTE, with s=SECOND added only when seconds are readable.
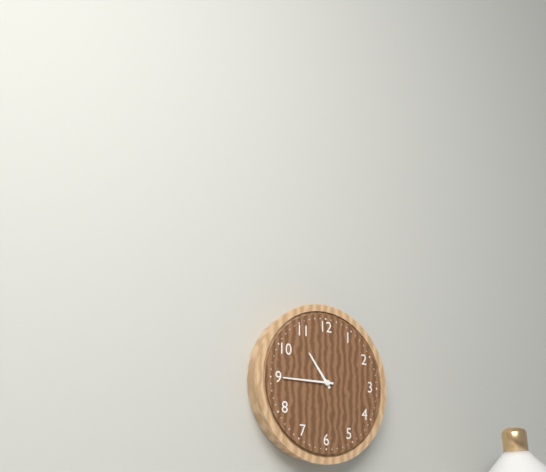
h=10 m=45
